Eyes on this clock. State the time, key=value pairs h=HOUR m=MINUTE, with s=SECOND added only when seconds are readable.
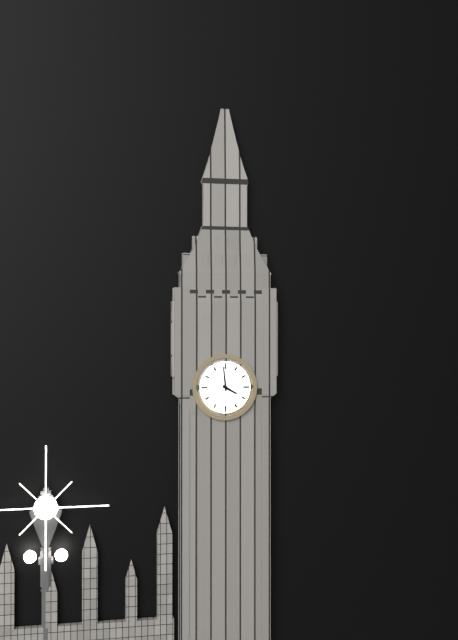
h=3 m=59
